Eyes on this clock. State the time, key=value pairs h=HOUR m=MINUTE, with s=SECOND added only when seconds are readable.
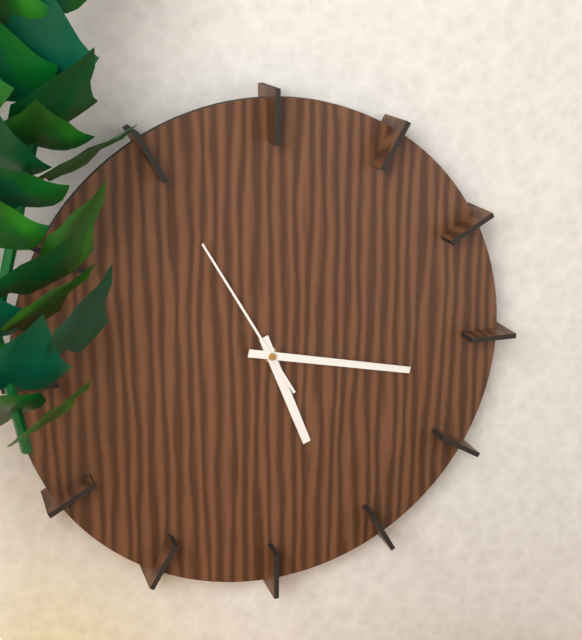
h=5 m=17 s=55
